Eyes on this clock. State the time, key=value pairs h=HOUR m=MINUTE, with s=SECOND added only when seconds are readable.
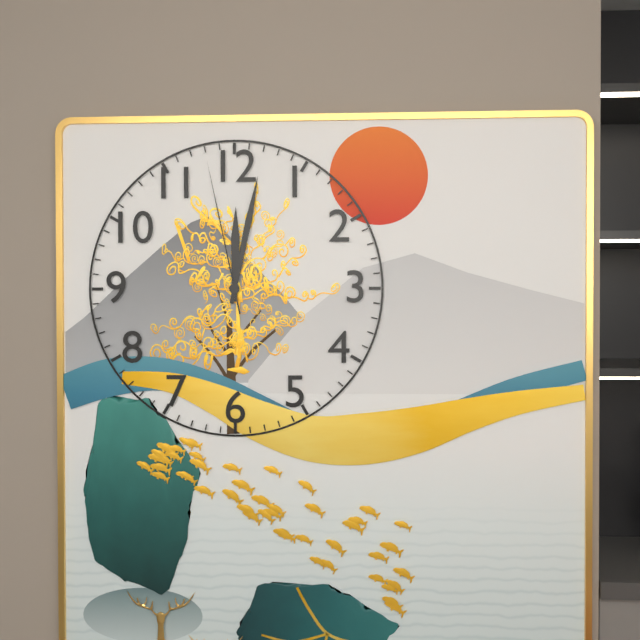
h=12 m=2 s=58
